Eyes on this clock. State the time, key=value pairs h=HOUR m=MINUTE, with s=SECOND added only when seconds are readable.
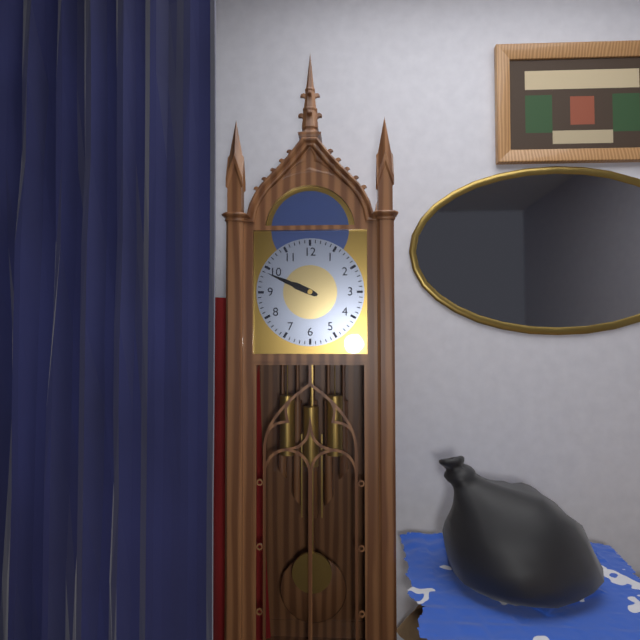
h=9 m=49
